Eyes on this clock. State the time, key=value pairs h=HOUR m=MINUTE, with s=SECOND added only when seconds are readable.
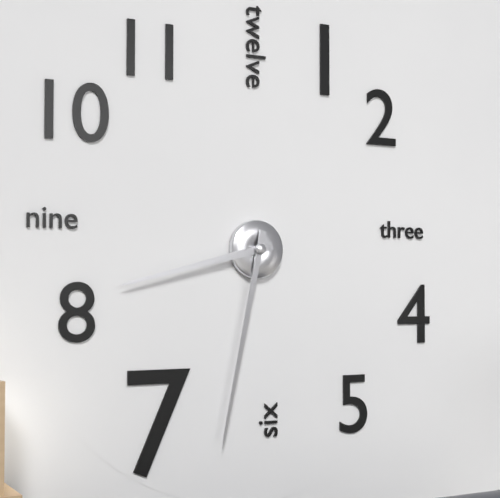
h=8 m=32
